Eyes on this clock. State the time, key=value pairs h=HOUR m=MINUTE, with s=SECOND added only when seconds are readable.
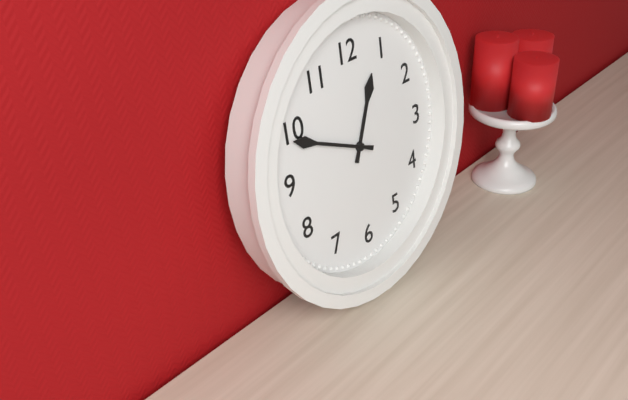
h=12 m=49
